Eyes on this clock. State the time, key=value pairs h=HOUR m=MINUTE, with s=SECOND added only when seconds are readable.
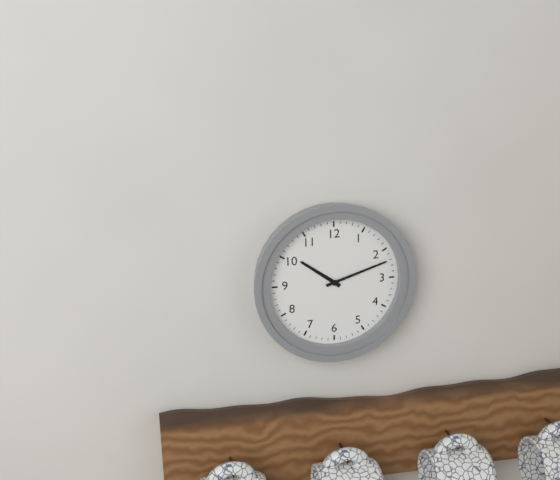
h=10 m=12
